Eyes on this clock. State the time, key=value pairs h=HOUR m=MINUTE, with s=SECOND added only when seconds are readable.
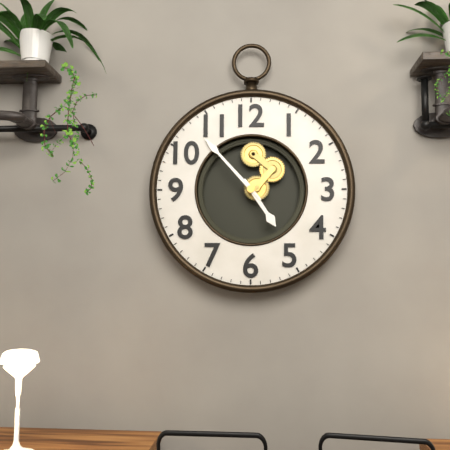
h=4 m=53
